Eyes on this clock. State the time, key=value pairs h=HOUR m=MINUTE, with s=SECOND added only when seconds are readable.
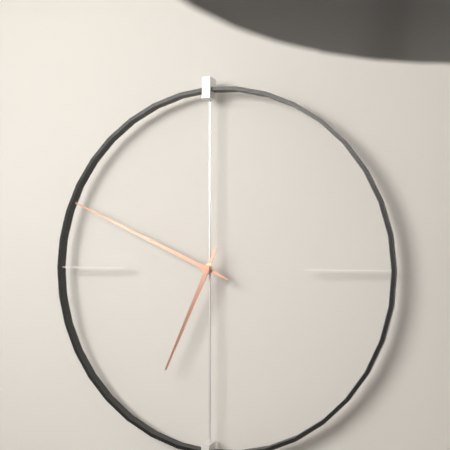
h=6 m=49
